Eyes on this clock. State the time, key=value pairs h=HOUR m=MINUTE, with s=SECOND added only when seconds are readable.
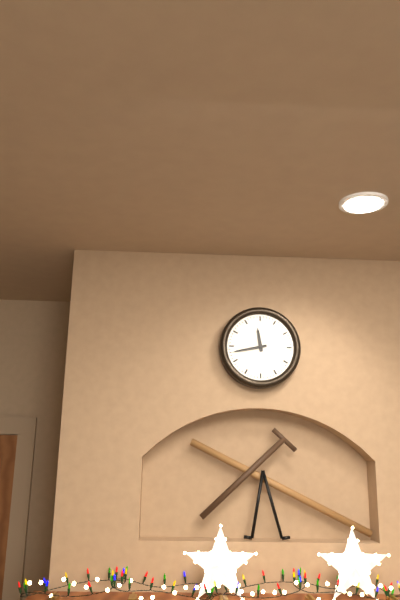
h=11 m=43
